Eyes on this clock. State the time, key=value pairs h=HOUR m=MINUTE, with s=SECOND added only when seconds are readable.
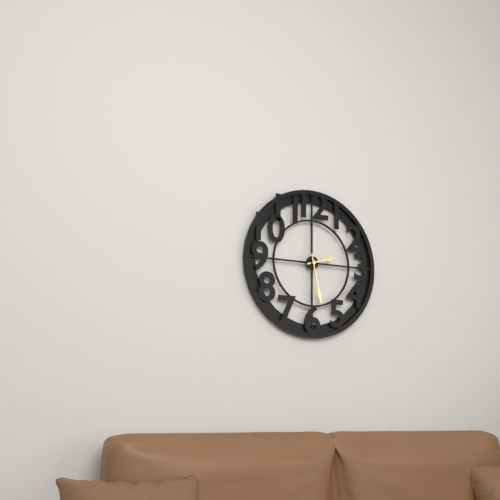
h=2 m=28
